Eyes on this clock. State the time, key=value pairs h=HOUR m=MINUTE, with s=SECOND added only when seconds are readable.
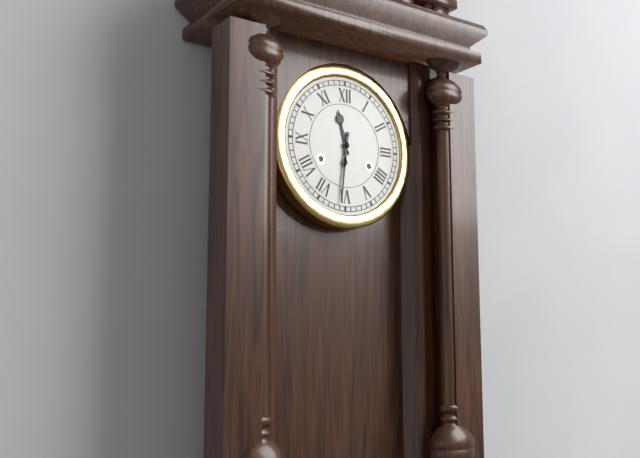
h=11 m=31
